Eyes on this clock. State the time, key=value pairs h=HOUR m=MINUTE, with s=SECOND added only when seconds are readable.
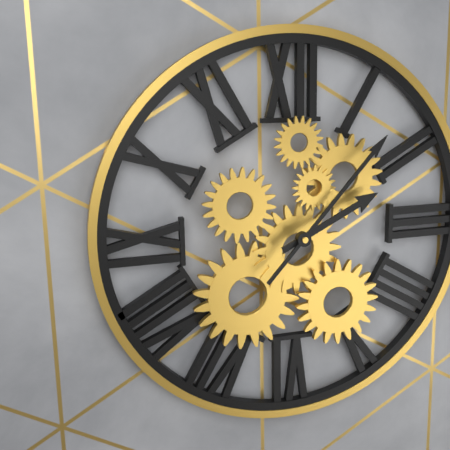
h=2 m=7
